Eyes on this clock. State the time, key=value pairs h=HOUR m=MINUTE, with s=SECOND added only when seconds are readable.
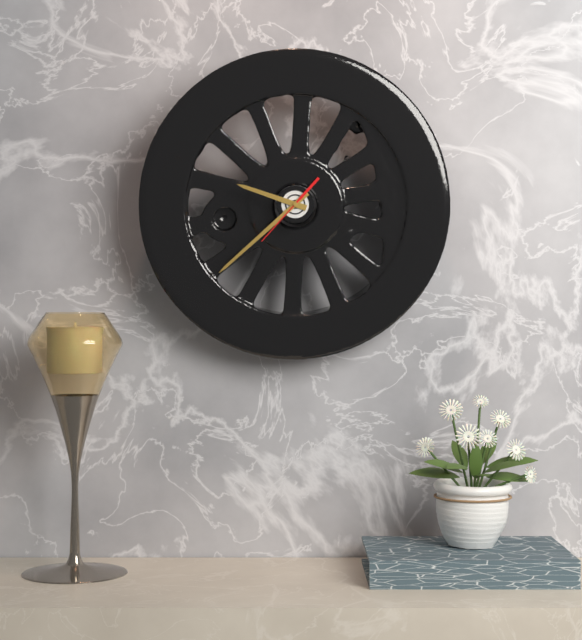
h=9 m=38 s=37
